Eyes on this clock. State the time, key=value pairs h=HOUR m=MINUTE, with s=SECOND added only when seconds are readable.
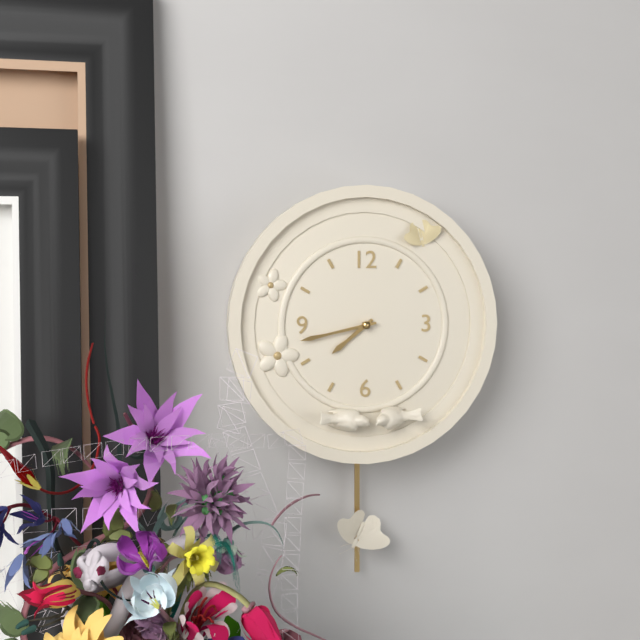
h=7 m=43
